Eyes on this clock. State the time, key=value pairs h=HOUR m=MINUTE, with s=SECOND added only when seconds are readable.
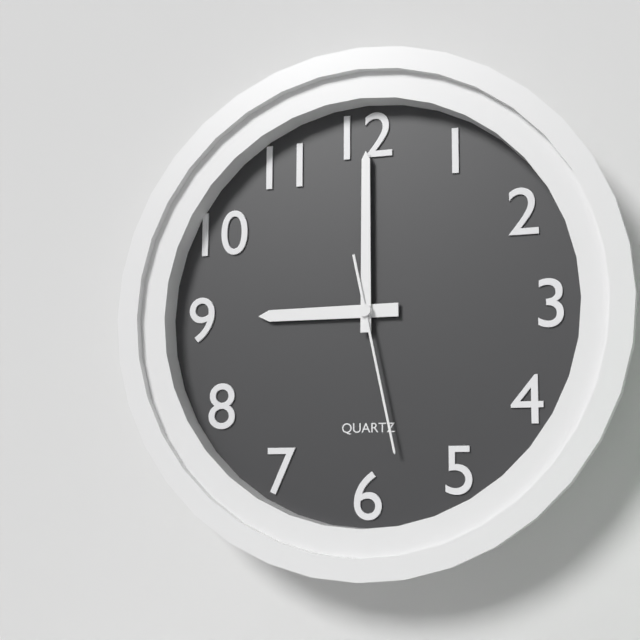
h=9 m=0 s=28
